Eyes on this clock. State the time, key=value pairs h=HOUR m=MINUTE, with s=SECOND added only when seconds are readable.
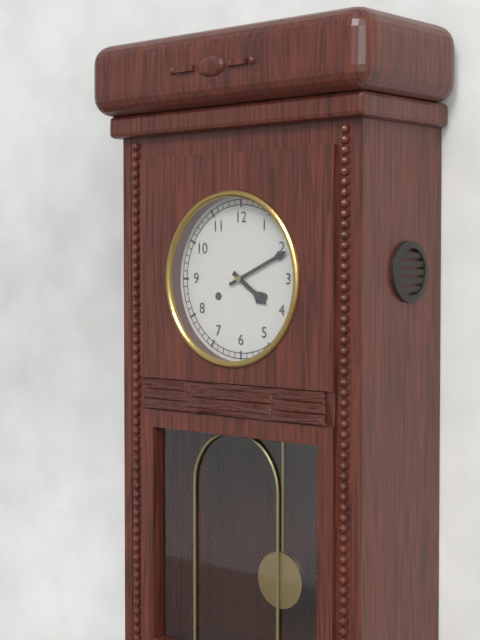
h=4 m=11
